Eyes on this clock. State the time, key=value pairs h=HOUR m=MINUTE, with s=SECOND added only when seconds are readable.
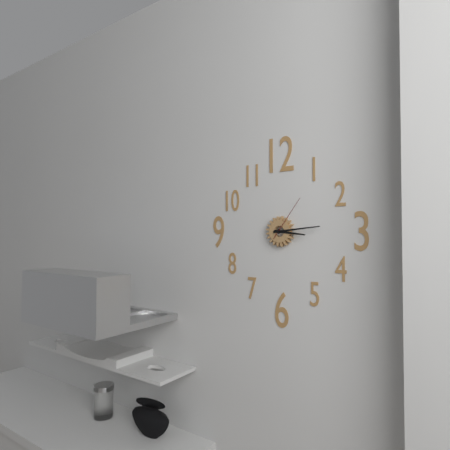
h=3 m=14
